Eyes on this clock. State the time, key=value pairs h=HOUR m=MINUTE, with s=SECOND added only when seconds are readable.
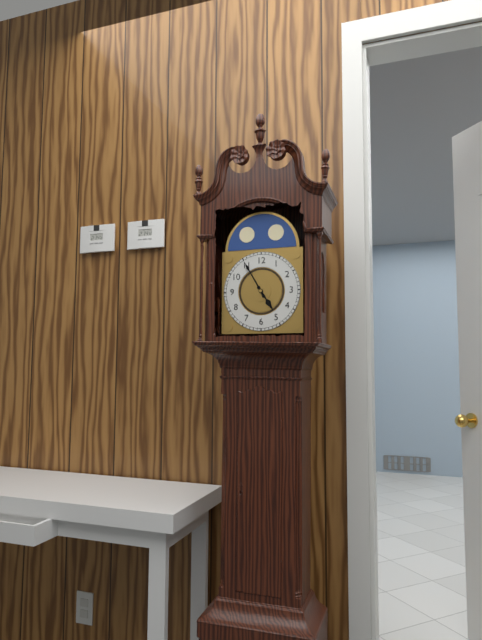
h=4 m=55
